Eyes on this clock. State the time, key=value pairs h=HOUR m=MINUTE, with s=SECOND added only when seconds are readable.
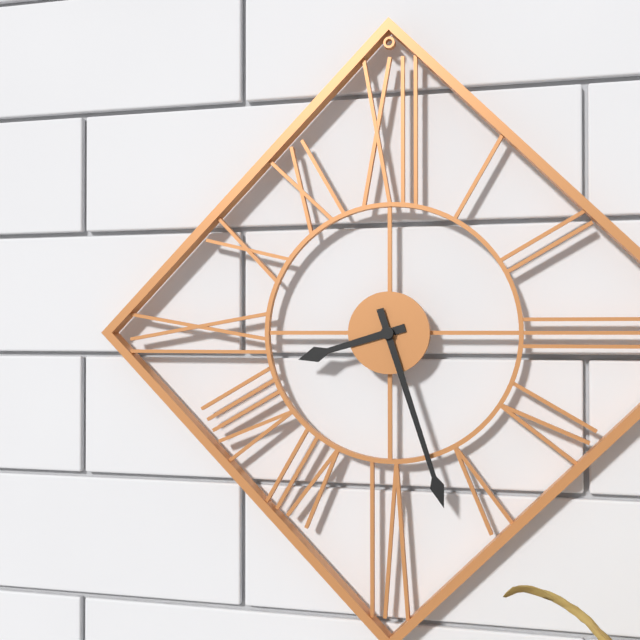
h=8 m=27
